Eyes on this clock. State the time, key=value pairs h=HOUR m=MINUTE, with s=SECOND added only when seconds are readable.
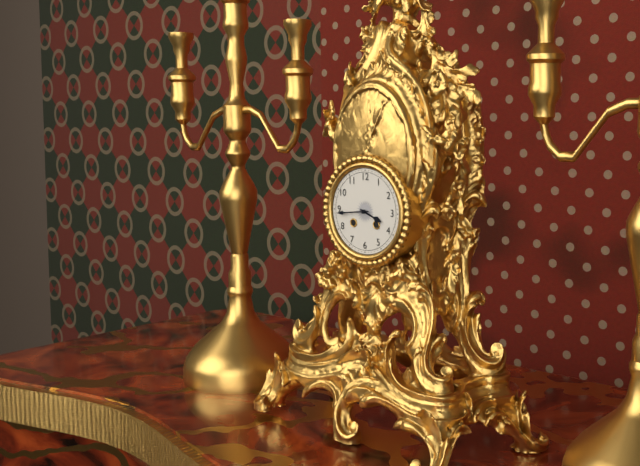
h=3 m=44
